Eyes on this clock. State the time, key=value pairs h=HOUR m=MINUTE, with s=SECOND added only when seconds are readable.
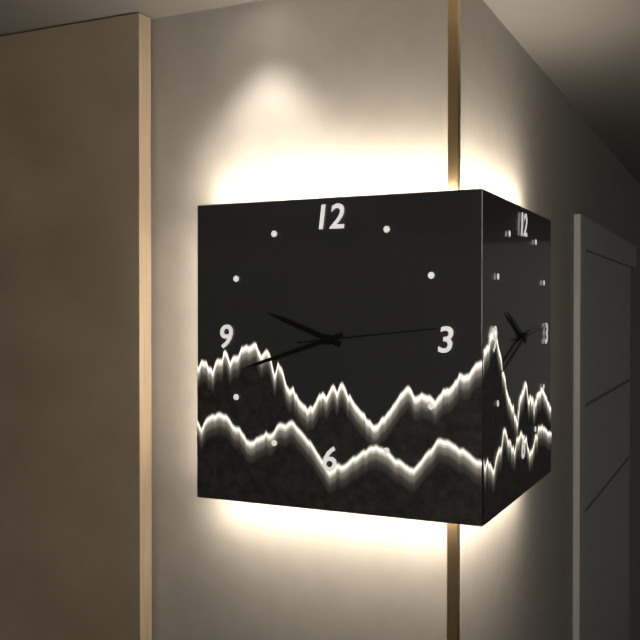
h=9 m=42 s=14
